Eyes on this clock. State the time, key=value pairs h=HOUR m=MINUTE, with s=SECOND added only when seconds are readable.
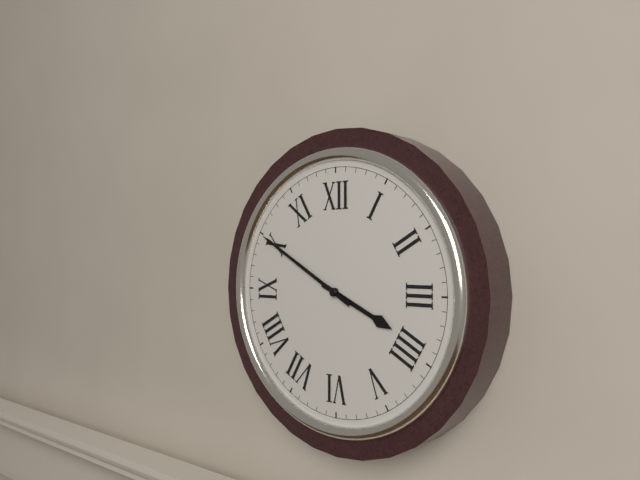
h=3 m=50
